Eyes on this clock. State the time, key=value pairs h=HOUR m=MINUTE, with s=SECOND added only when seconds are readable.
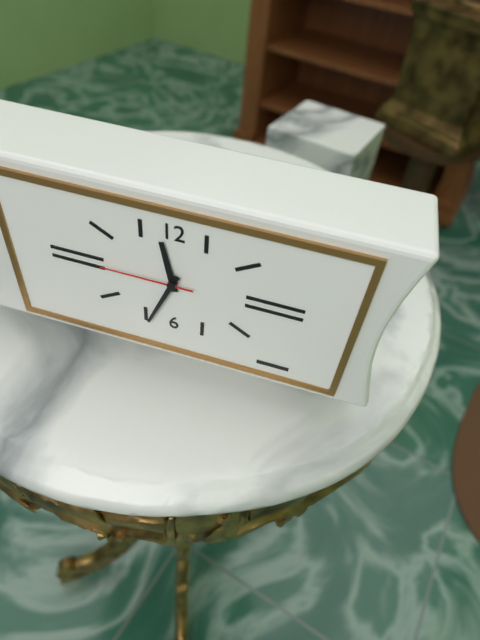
h=11 m=34 s=45
